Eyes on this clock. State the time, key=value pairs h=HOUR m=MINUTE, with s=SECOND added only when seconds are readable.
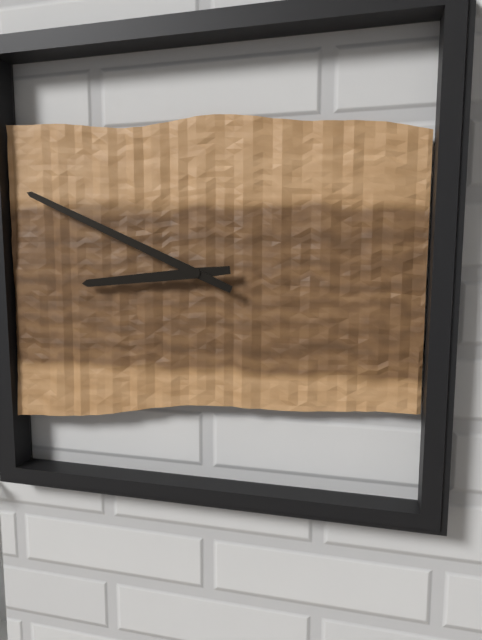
h=8 m=49
